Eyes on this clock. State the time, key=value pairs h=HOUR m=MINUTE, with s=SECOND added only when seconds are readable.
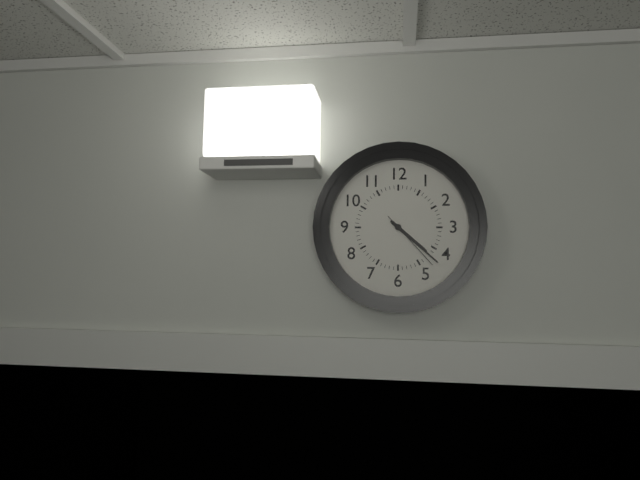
h=4 m=22 s=23
